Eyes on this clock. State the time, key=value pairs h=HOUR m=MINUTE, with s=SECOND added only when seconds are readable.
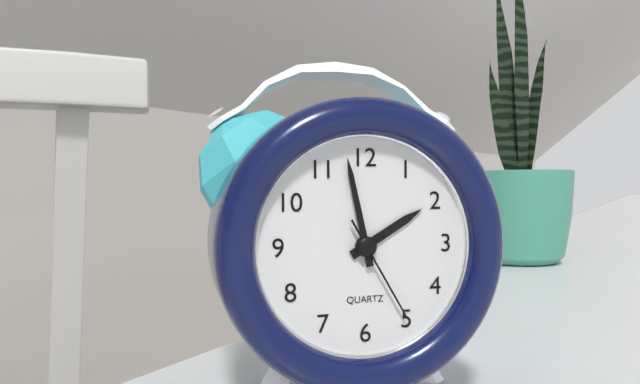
h=1 m=58 s=25
